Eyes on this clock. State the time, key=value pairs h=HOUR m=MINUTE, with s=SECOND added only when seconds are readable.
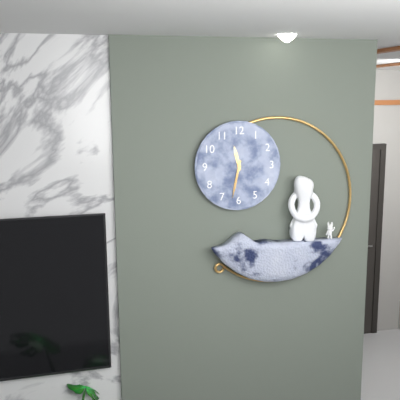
h=11 m=32
